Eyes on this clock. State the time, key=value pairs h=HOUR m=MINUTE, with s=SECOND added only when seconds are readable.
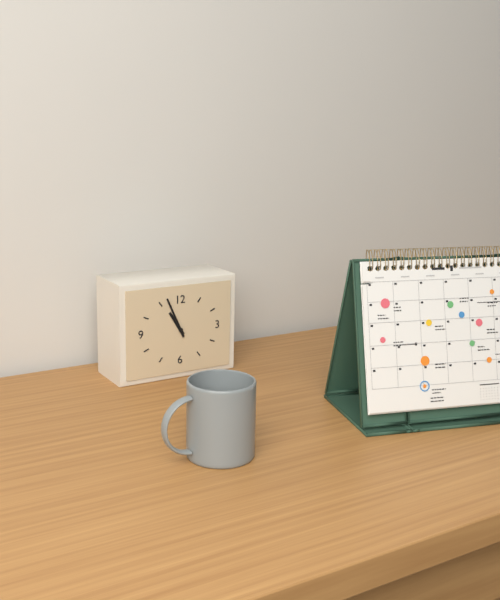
h=10 m=56
